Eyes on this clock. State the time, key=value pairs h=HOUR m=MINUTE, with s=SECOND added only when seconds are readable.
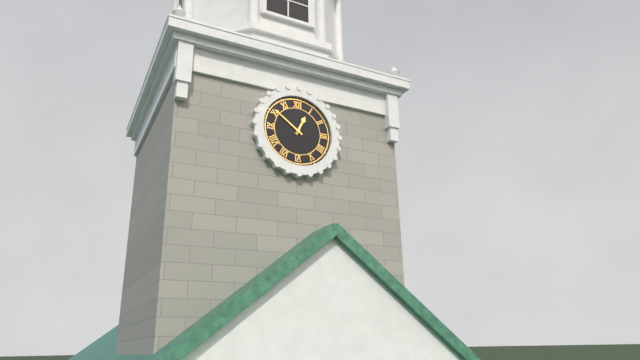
h=12 m=51
